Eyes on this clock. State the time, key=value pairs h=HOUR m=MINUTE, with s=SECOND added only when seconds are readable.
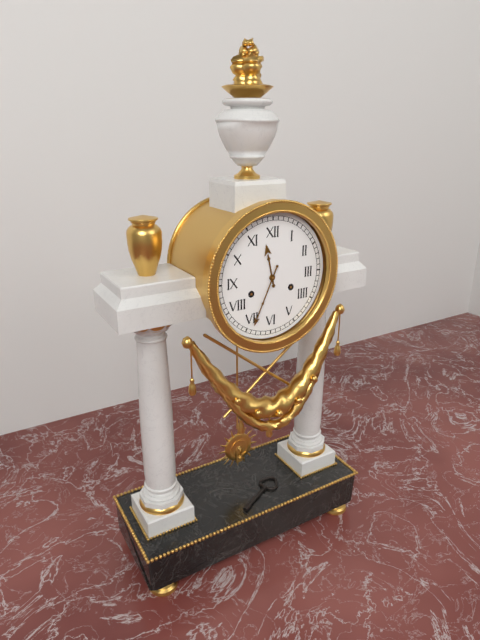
h=11 m=34
